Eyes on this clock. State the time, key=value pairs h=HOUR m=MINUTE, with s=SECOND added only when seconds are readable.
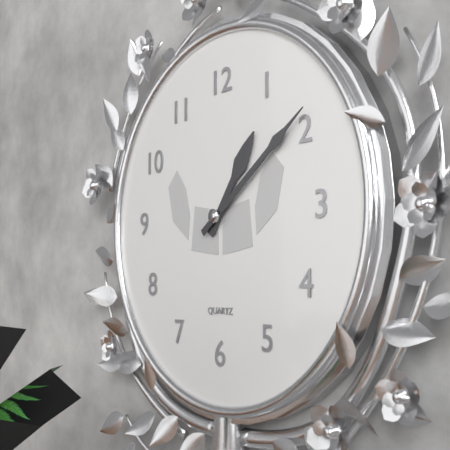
h=1 m=9
